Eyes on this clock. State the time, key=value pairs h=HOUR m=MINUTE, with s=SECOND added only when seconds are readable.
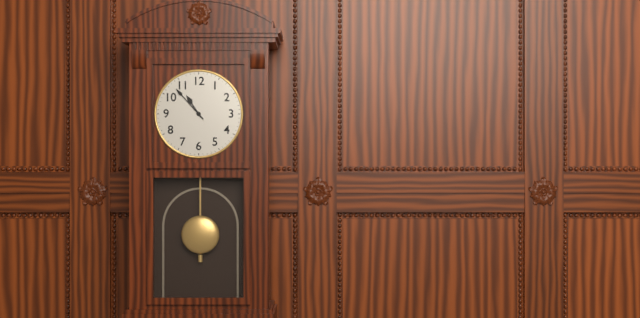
h=10 m=53
